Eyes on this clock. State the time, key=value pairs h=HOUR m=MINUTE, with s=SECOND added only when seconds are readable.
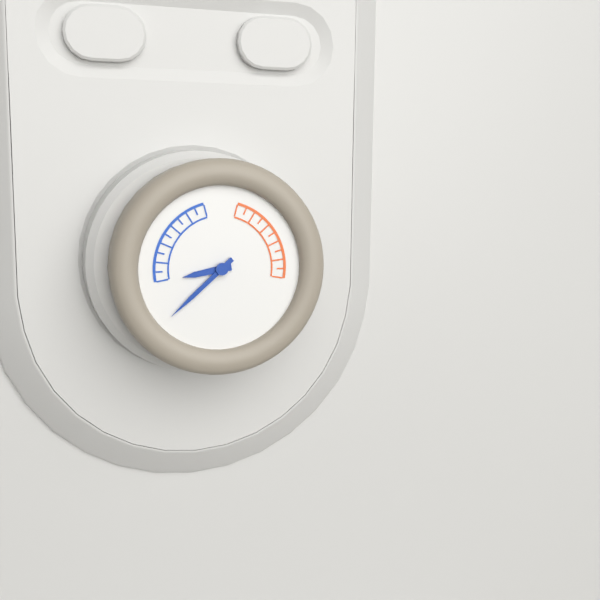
h=8 m=38
